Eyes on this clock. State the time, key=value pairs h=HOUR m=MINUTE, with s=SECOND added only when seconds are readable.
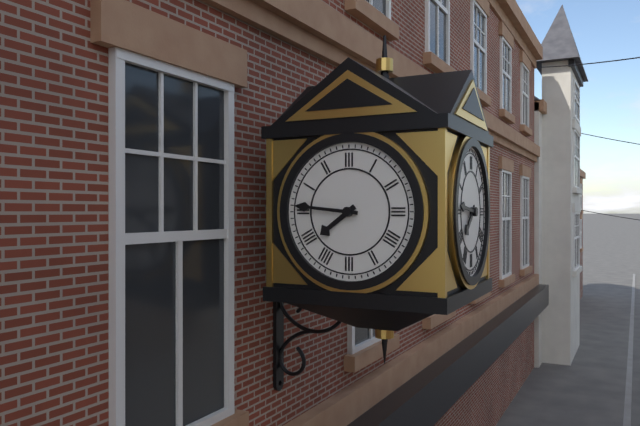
h=7 m=46
